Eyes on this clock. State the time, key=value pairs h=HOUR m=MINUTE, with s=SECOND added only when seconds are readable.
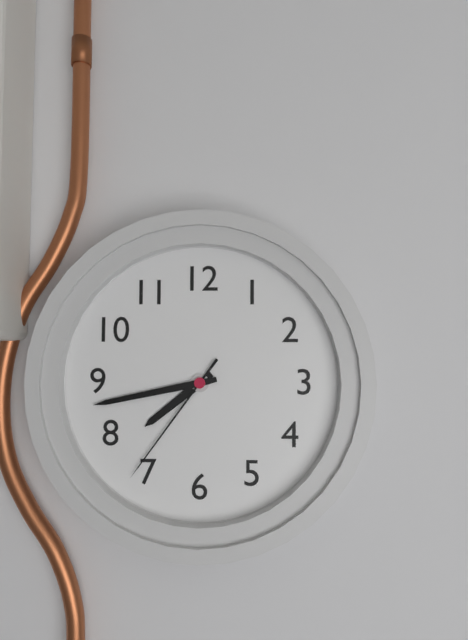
h=7 m=43 s=36
